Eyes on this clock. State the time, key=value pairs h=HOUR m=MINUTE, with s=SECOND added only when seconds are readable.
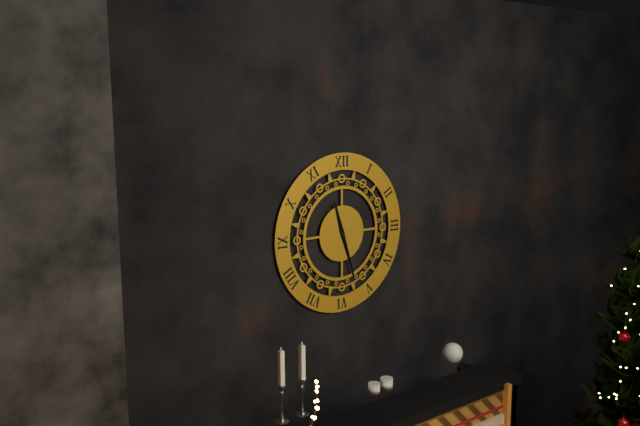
h=11 m=27
